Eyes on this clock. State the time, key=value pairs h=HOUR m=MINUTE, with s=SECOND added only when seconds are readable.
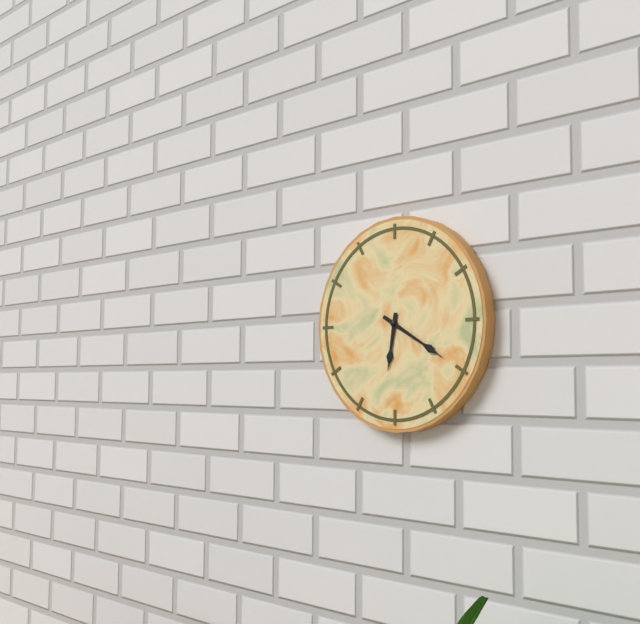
h=6 m=20
